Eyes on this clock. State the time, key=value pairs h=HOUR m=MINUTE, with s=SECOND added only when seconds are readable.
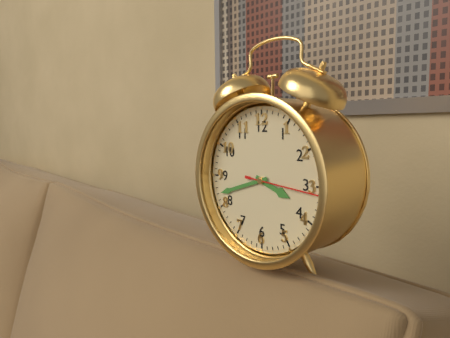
h=3 m=42 s=16
